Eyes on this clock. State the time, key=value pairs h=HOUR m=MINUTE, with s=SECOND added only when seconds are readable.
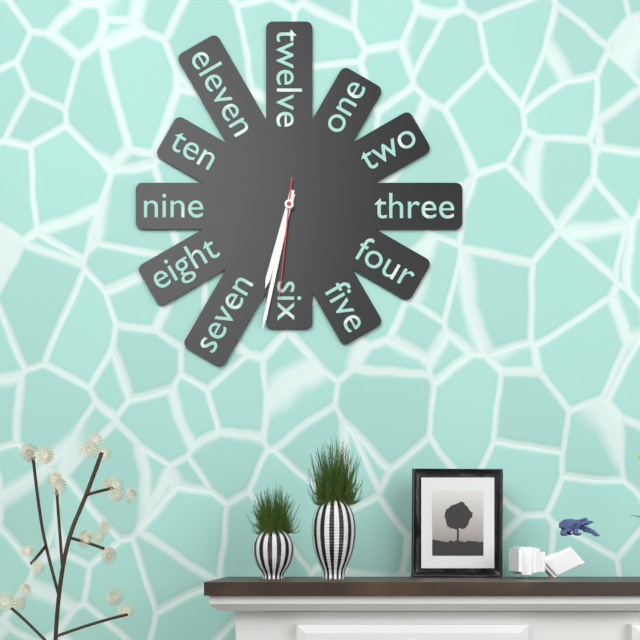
h=6 m=32 s=31
